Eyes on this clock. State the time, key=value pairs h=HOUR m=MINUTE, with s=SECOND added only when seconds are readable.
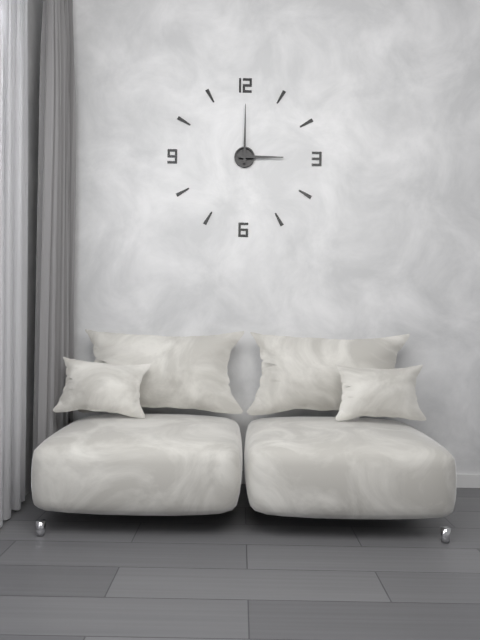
h=3 m=0
